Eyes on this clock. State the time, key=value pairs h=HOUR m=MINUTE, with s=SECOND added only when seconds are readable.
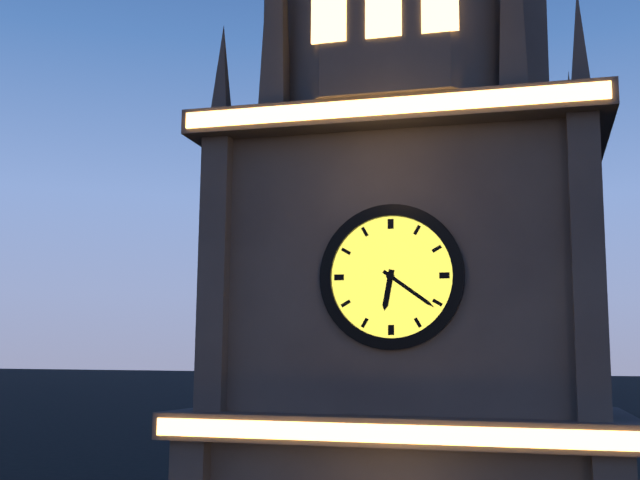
h=6 m=21
